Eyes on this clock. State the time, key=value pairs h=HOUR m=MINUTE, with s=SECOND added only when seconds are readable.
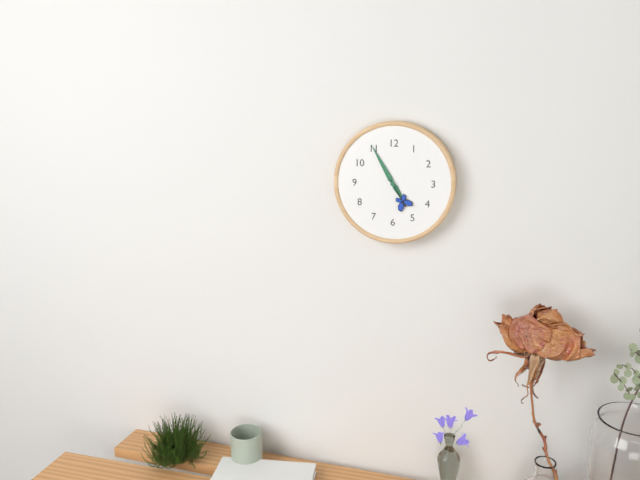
h=4 m=55
